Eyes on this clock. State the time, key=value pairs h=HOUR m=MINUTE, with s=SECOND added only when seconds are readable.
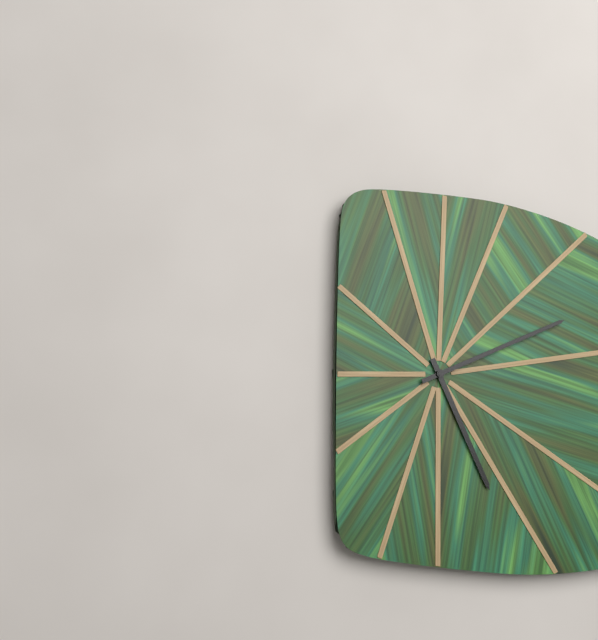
h=5 m=11
